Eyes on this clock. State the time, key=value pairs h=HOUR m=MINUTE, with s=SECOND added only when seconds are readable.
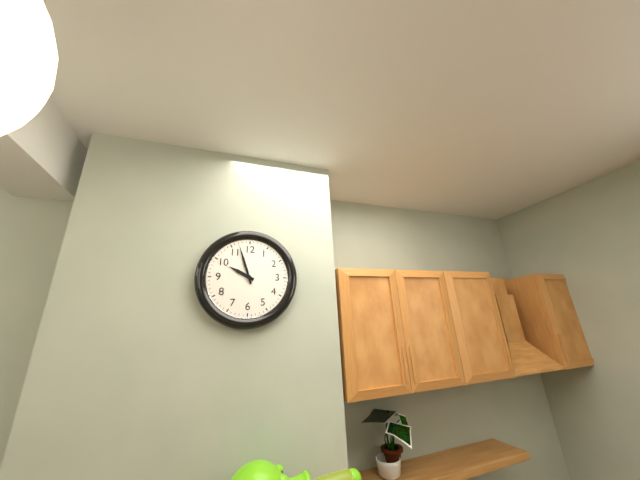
h=9 m=57
